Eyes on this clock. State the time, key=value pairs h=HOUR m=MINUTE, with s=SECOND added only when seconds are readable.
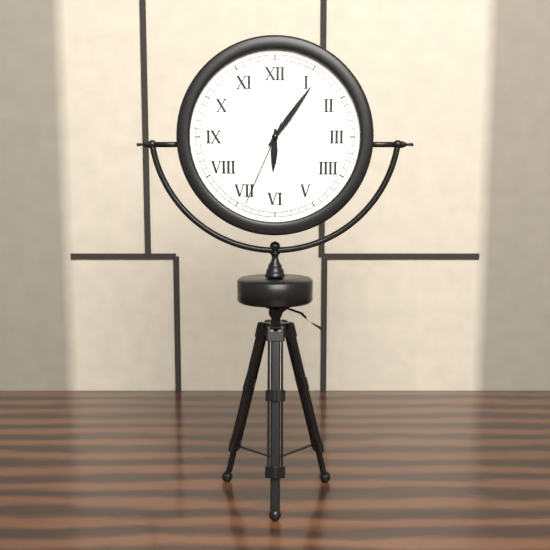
h=6 m=6 s=34
